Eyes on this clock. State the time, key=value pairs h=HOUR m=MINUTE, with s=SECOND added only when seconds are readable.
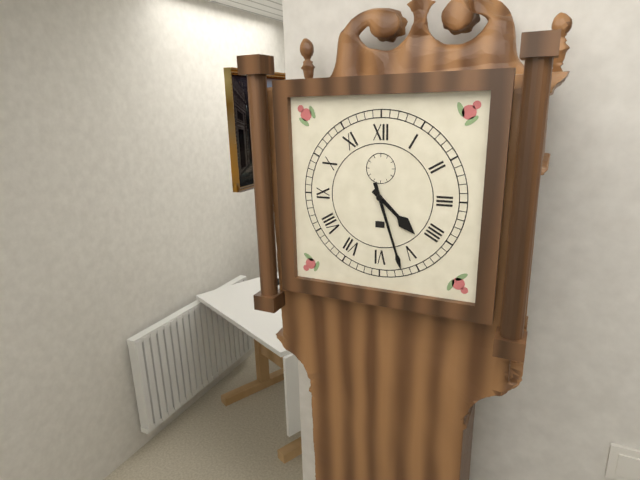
h=4 m=27
